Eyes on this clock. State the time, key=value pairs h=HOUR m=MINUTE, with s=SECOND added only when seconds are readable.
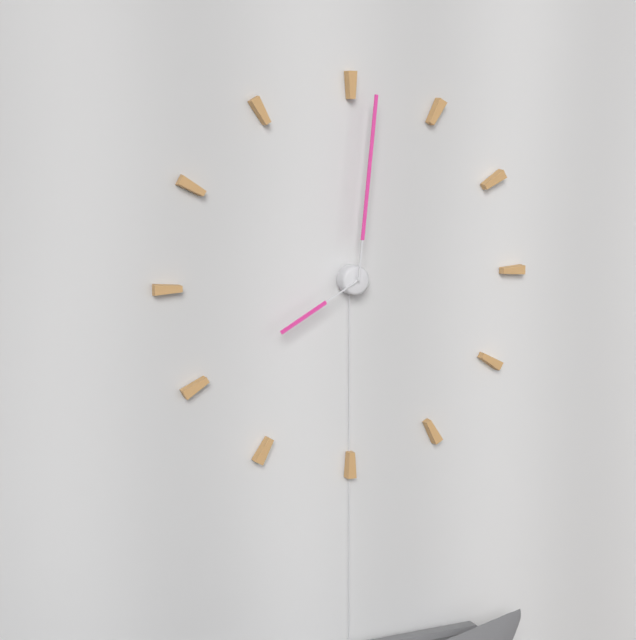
h=8 m=1
